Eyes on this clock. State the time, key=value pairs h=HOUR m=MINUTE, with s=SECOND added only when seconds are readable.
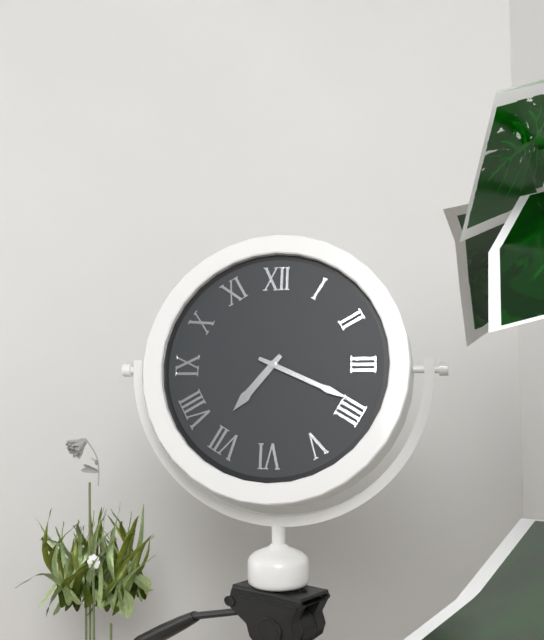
h=7 m=19
